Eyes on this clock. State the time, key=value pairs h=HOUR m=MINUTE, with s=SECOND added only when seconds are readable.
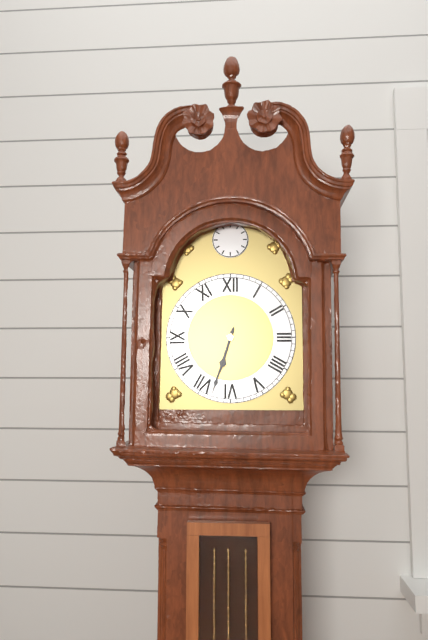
h=6 m=33
